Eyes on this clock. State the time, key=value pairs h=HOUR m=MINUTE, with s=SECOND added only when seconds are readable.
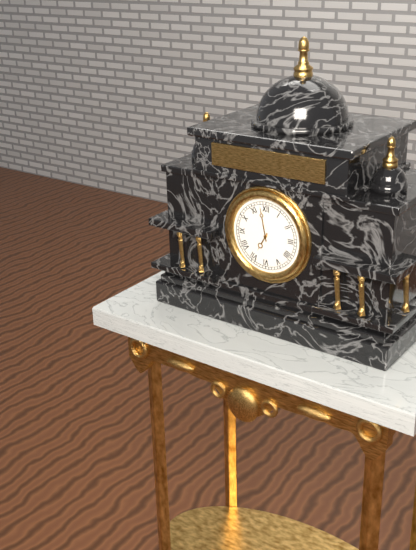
h=6 m=58
